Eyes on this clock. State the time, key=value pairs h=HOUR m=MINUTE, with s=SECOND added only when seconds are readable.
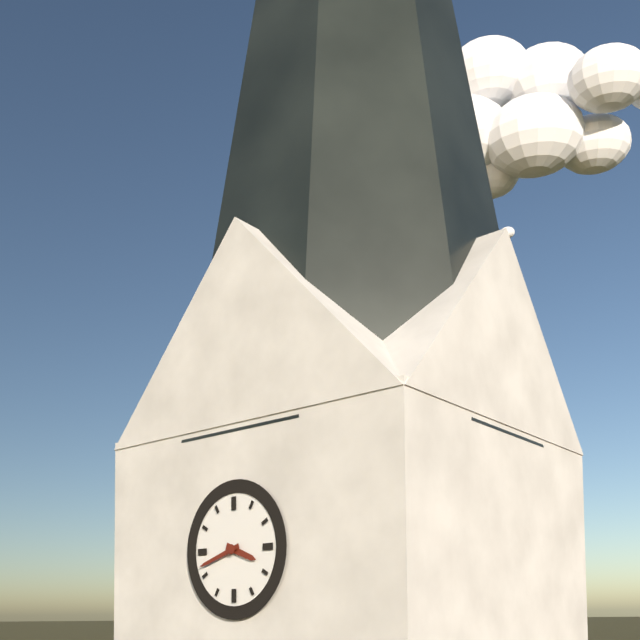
h=3 m=42
